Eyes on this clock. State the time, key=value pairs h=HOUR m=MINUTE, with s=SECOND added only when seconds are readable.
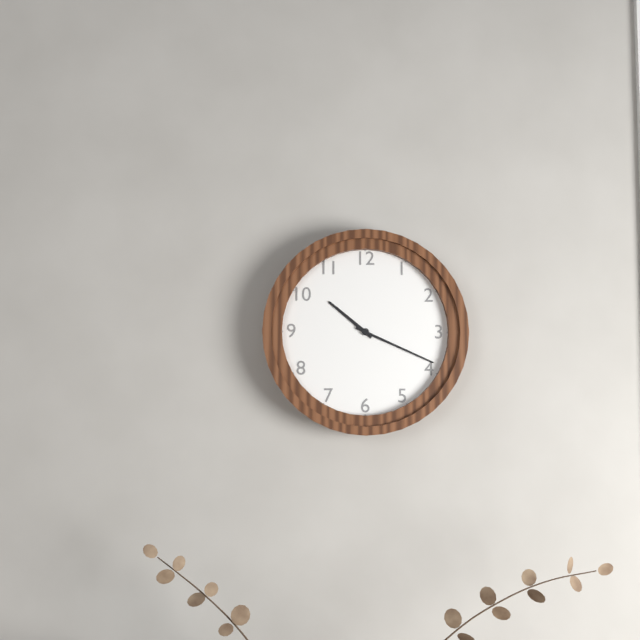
h=10 m=19
